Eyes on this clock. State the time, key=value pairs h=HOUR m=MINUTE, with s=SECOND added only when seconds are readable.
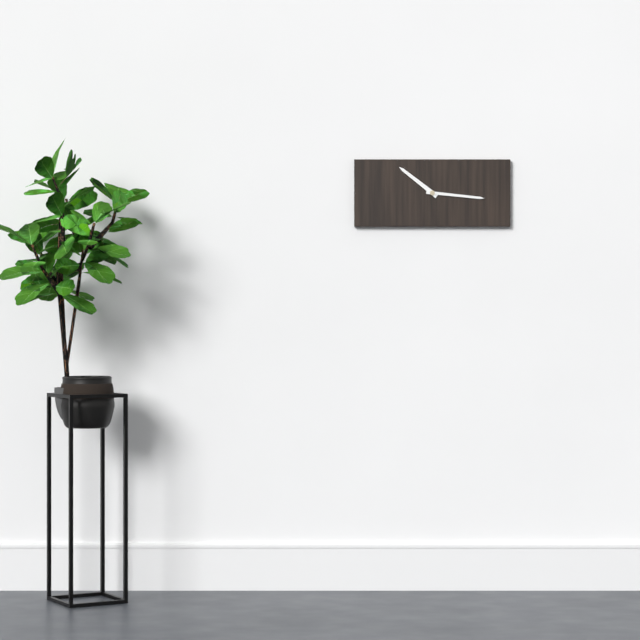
h=10 m=16
